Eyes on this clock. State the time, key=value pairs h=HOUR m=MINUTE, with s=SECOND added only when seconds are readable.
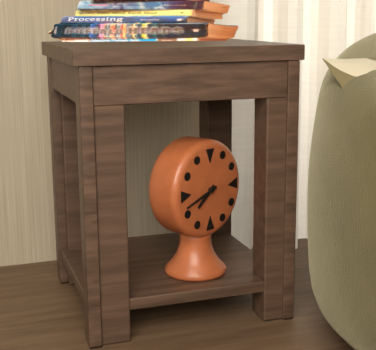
h=7 m=42
